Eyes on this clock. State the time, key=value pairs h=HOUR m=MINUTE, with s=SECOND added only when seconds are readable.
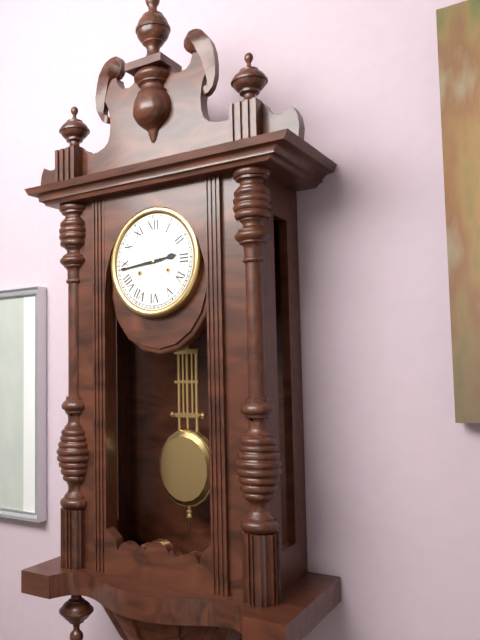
h=2 m=44
